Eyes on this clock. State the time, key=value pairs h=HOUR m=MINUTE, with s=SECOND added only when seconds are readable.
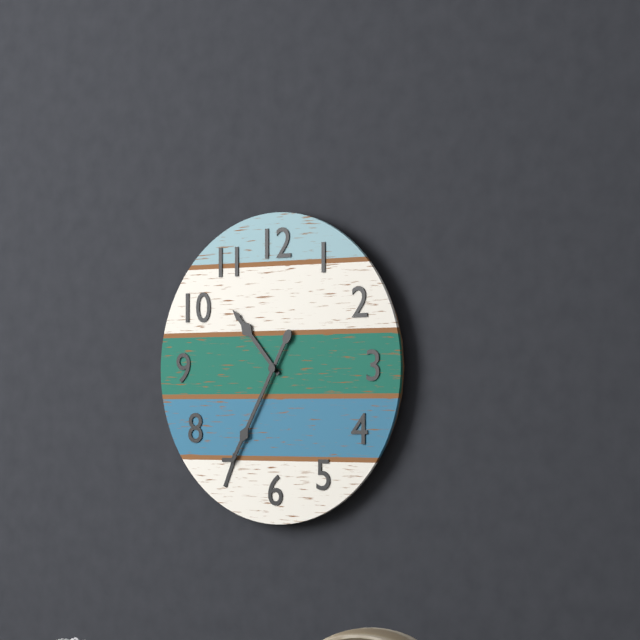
h=10 m=35
